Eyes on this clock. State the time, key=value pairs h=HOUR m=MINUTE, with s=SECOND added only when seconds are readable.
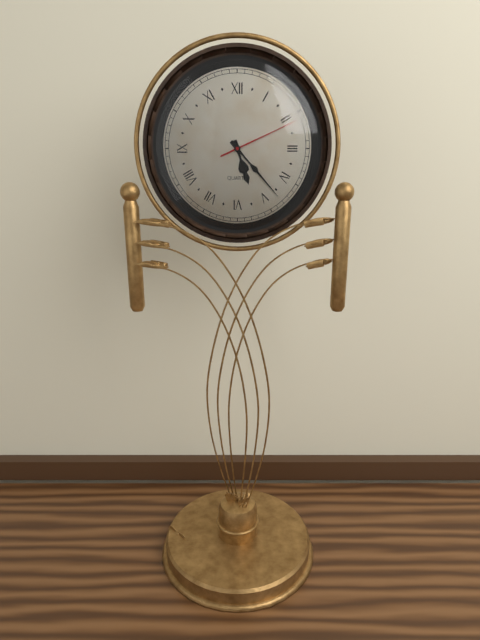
h=5 m=23 s=11
